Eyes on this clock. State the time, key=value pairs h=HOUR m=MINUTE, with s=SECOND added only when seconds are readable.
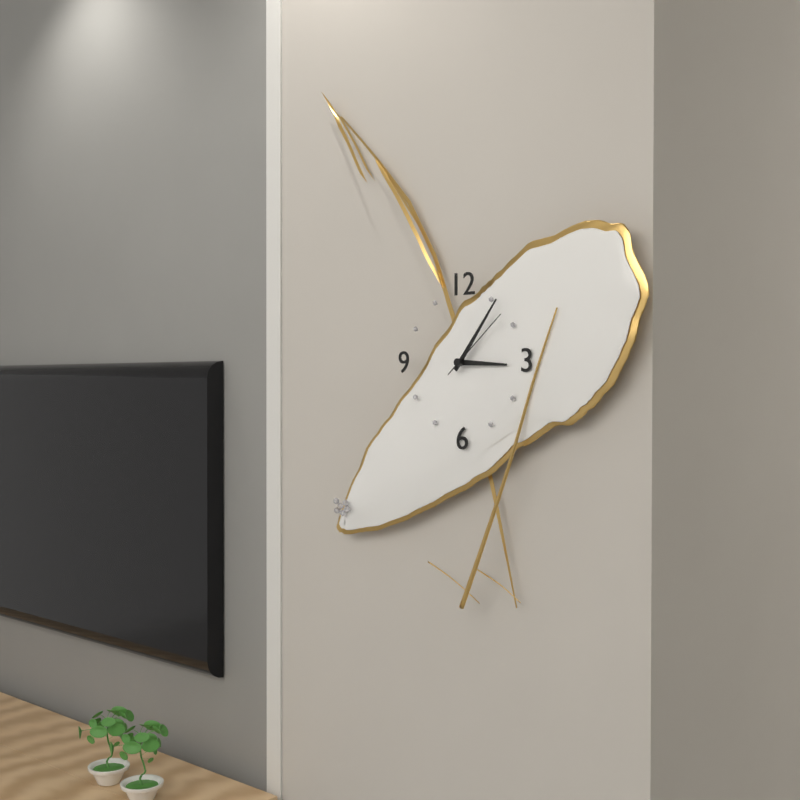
h=3 m=6 s=8
